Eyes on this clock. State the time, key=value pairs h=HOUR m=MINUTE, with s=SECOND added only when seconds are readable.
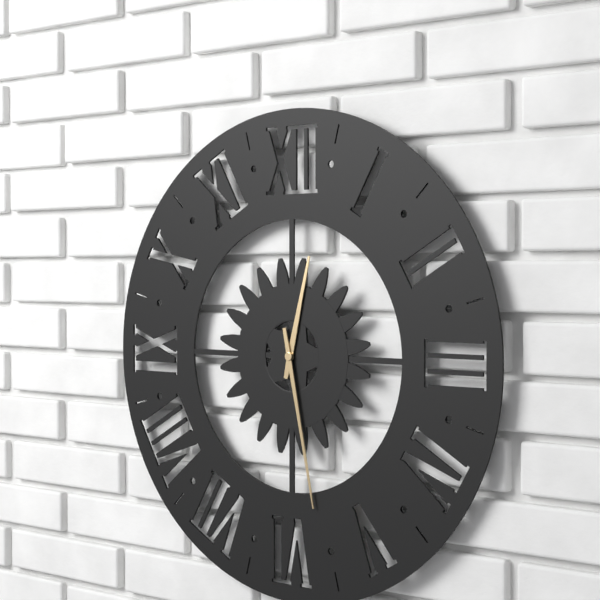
h=12 m=28
